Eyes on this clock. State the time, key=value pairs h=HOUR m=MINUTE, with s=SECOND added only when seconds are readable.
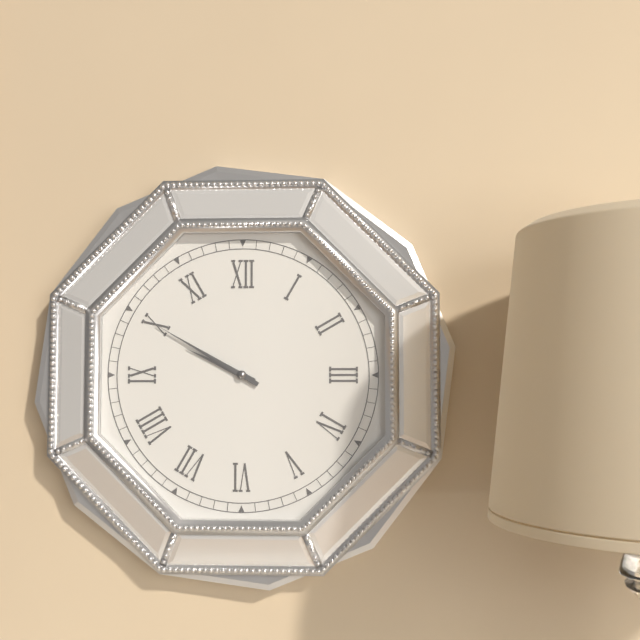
h=9 m=50
